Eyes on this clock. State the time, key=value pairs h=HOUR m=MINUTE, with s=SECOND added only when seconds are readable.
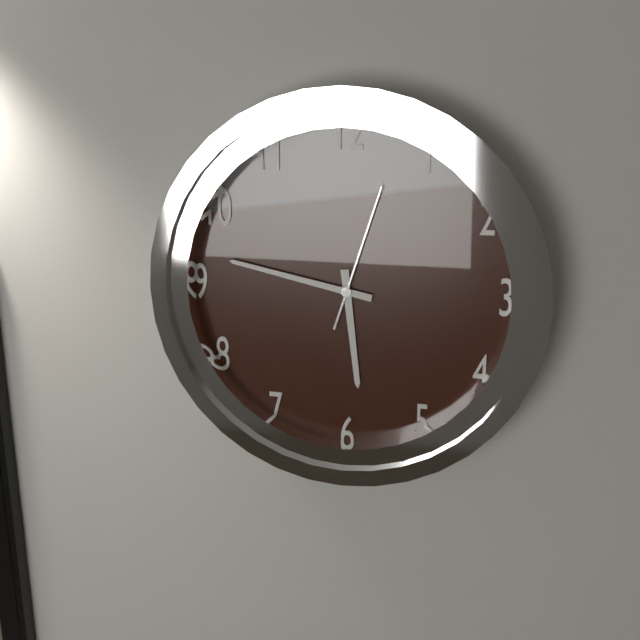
h=5 m=47 s=3
